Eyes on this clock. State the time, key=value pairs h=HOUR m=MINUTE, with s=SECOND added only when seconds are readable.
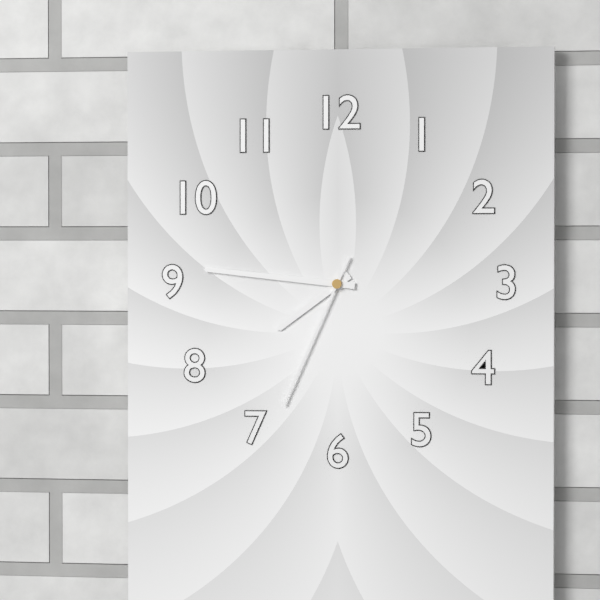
h=7 m=46 s=34
